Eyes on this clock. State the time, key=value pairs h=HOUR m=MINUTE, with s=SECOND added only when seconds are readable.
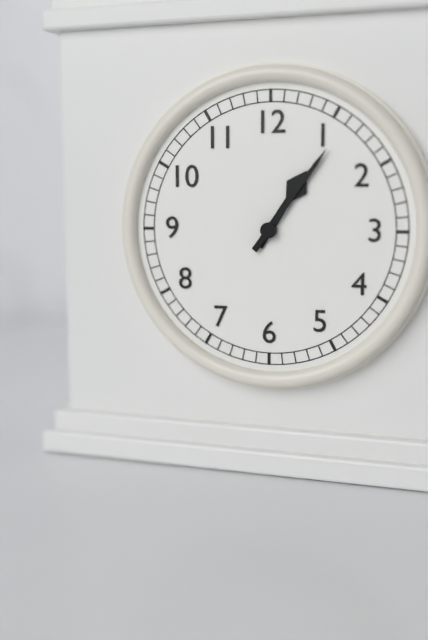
h=1 m=6
